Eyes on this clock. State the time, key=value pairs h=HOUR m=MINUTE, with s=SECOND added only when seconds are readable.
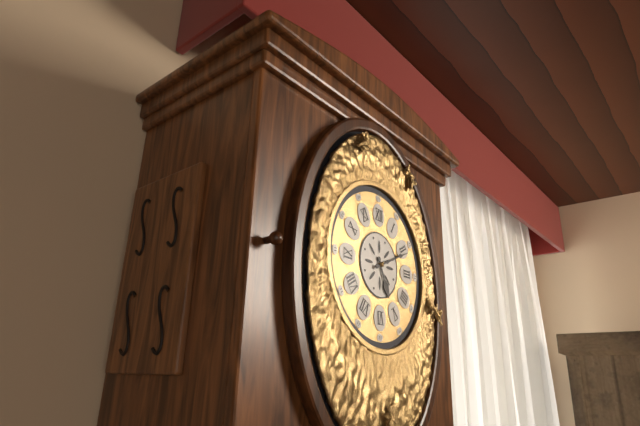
h=5 m=11
